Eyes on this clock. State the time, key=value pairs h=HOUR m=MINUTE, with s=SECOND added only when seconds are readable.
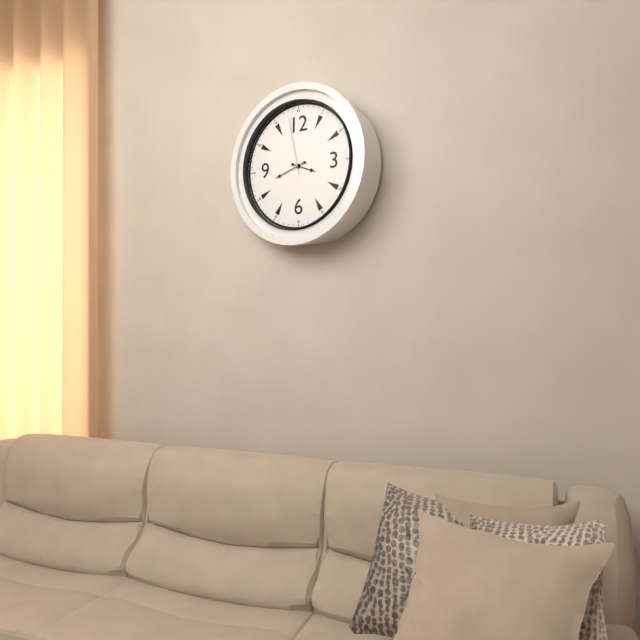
h=3 m=42 s=58
